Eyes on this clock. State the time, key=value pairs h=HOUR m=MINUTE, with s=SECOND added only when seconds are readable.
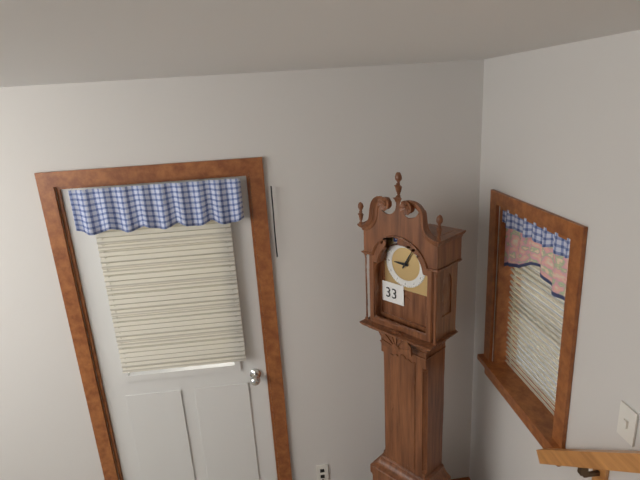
h=9 m=5
